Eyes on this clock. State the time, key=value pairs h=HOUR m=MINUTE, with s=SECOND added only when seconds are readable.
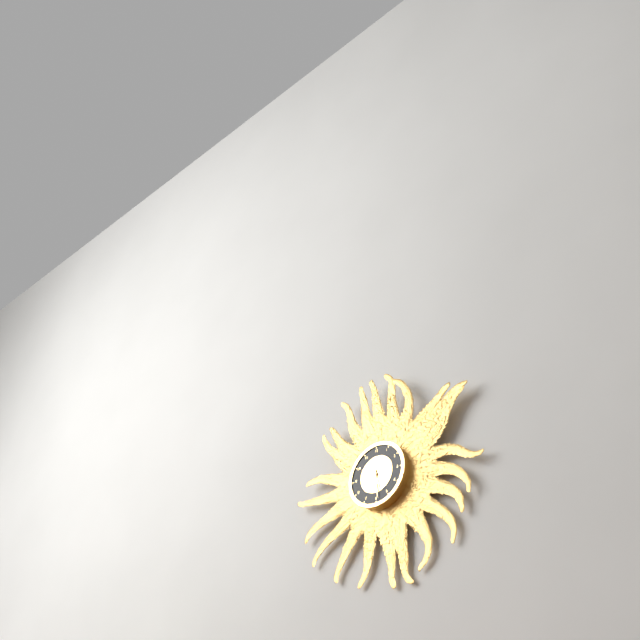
h=5 m=29
